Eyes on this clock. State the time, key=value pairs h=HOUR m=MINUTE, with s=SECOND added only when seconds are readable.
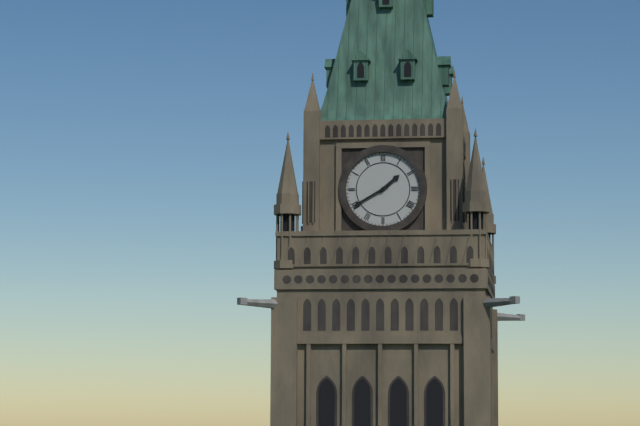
h=1 m=40
